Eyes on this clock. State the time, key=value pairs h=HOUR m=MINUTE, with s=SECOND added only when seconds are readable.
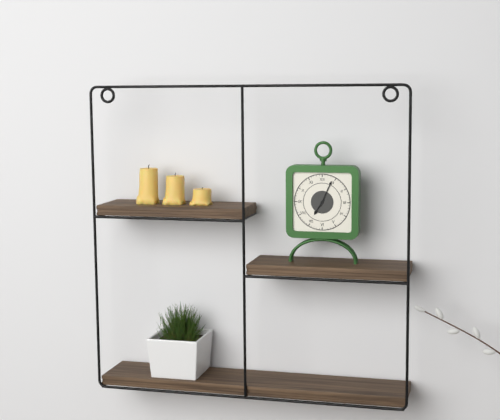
h=7 m=4
